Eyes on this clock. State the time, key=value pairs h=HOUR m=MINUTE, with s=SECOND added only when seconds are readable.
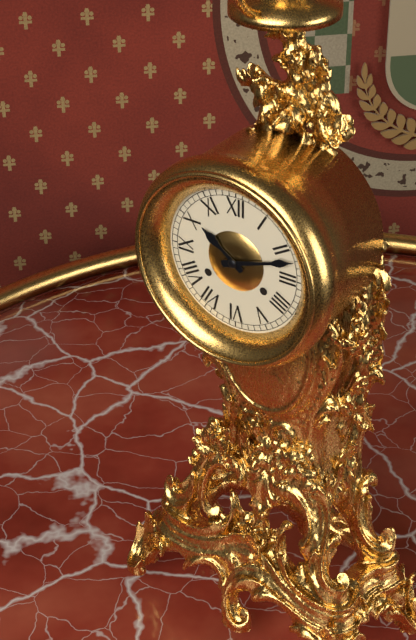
h=10 m=12
